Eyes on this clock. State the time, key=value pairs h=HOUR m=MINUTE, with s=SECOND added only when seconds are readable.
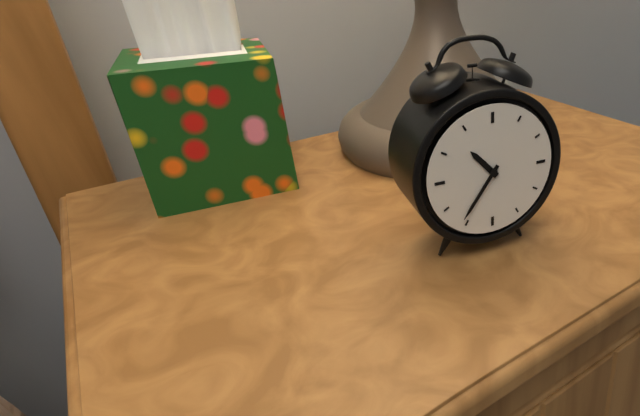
h=10 m=36
